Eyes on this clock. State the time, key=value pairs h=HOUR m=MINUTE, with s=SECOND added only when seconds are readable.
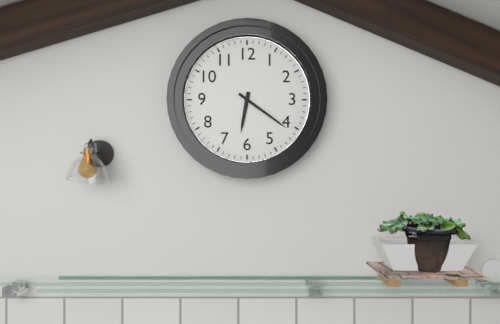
h=6 m=21
